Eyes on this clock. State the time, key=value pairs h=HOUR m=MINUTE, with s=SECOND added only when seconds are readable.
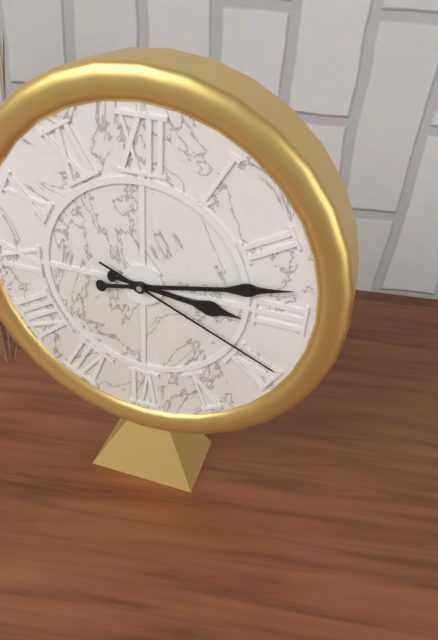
h=3 m=13 s=19
